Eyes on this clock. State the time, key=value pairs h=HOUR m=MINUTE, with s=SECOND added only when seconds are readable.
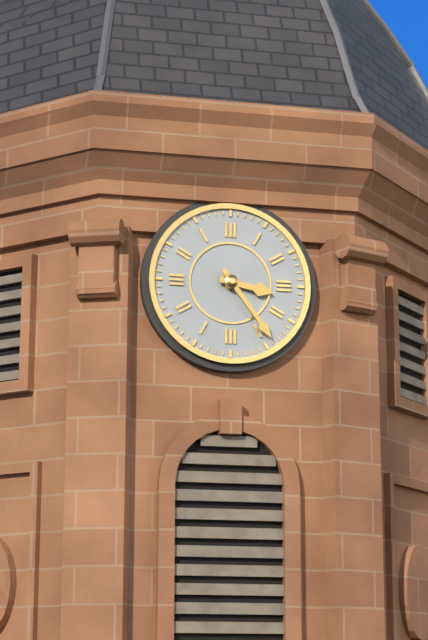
h=3 m=24
